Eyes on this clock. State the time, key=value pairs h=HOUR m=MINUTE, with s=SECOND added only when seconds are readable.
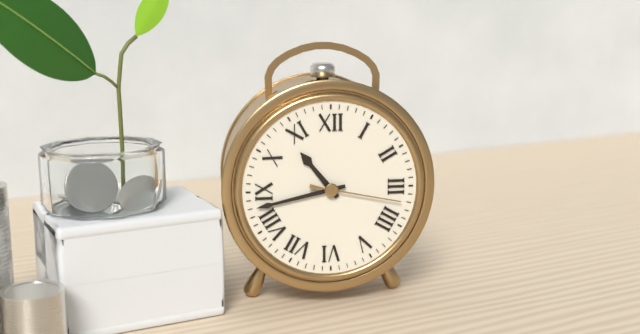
h=10 m=43 s=17
